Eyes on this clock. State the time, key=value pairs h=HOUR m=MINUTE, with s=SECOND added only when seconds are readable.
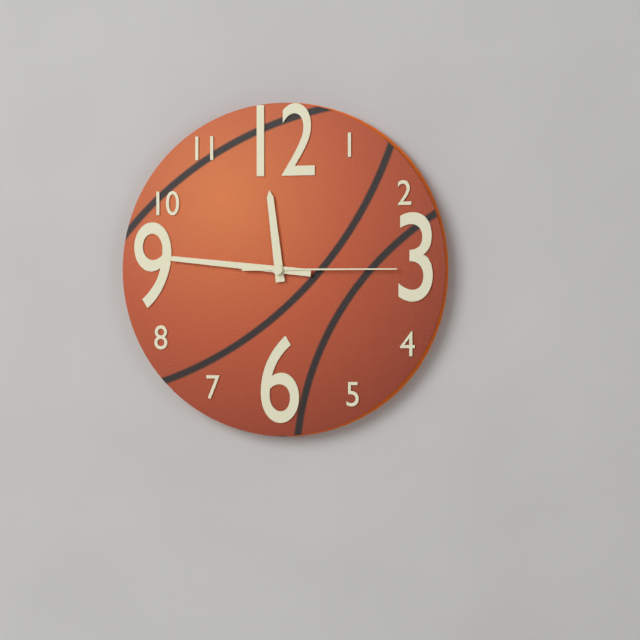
h=11 m=46 s=15
